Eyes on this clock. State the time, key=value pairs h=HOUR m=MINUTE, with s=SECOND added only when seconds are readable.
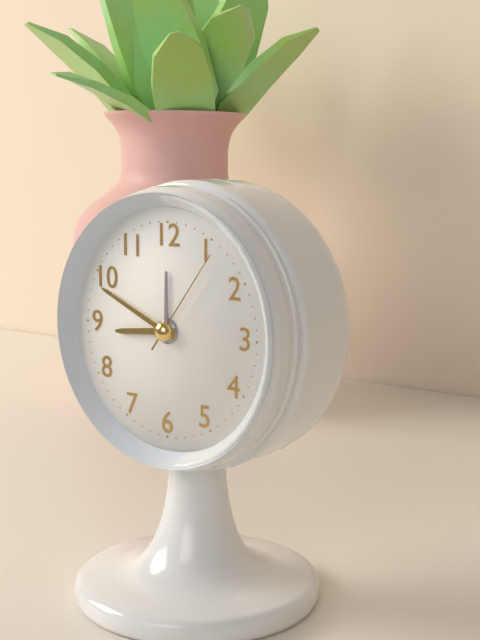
h=8 m=49 s=6
